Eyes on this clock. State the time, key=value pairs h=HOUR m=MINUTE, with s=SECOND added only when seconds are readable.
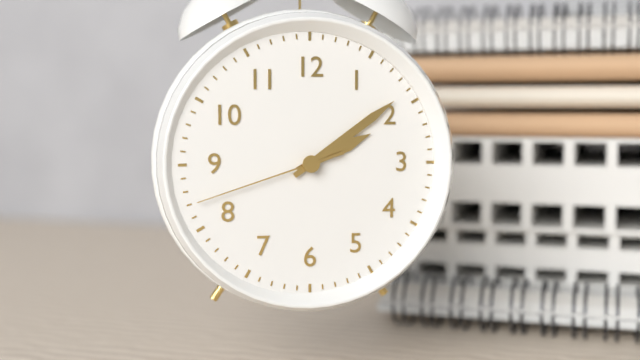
h=2 m=9 s=42
